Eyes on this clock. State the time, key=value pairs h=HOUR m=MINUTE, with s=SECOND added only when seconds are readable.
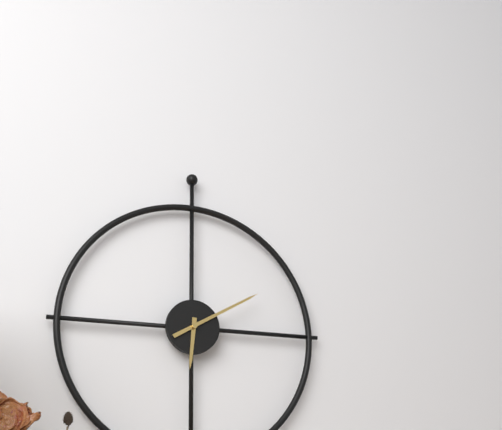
h=6 m=10
